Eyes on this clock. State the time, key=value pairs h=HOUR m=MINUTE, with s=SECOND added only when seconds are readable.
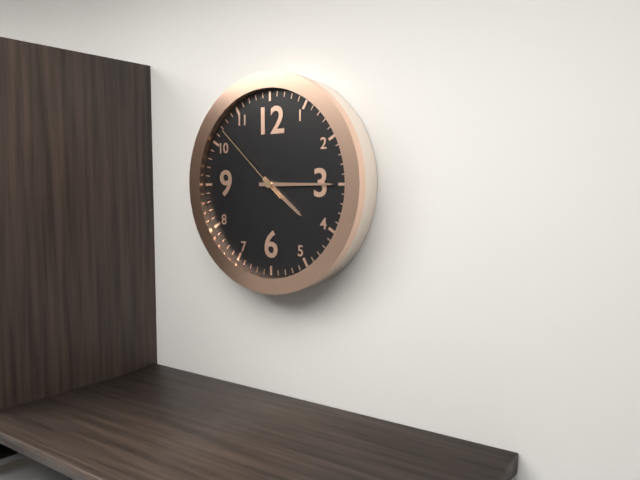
h=4 m=15 s=52
